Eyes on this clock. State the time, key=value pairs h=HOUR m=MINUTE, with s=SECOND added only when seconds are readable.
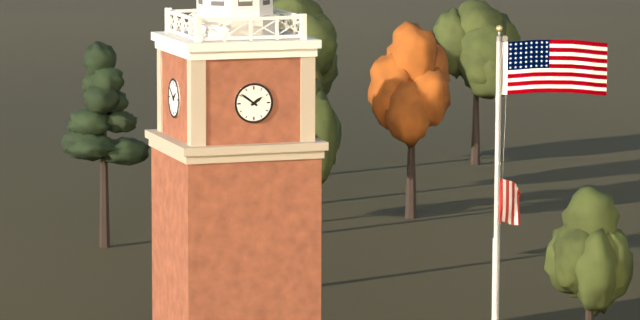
h=1 m=51
